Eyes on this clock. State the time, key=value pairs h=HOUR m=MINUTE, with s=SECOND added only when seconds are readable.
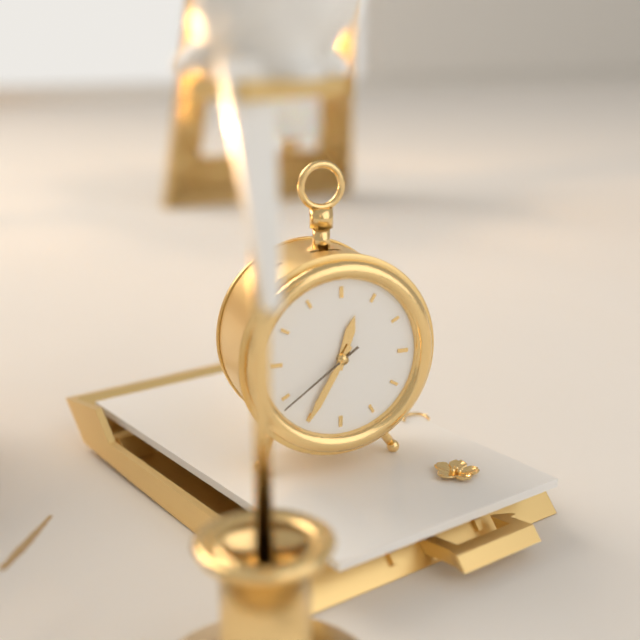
h=12 m=35 s=39
